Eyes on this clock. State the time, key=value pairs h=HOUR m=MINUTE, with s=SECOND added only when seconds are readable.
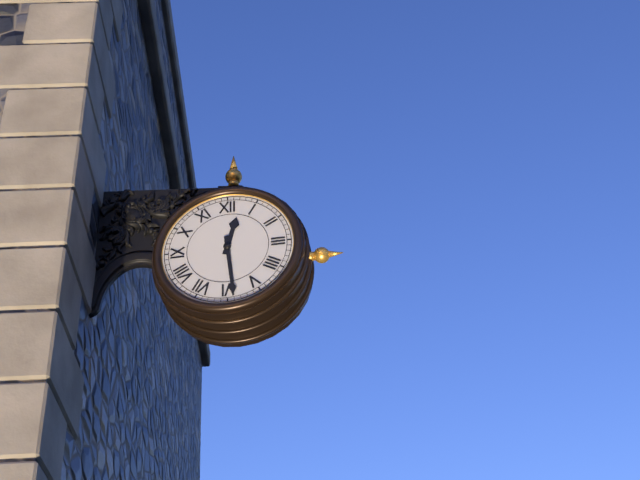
h=12 m=29
